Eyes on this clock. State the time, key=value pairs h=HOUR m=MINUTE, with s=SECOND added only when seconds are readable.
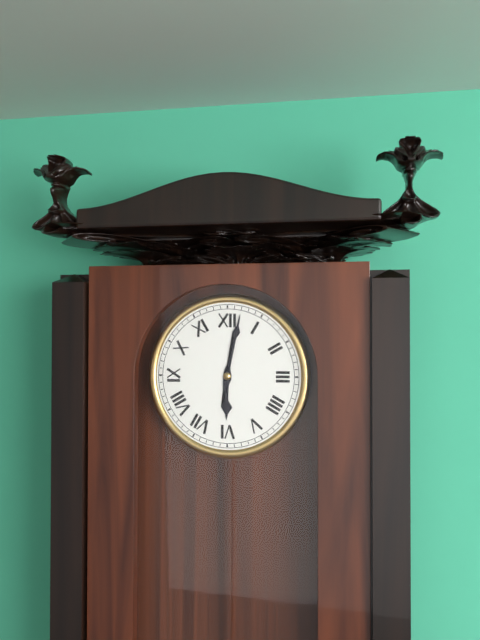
h=6 m=2
